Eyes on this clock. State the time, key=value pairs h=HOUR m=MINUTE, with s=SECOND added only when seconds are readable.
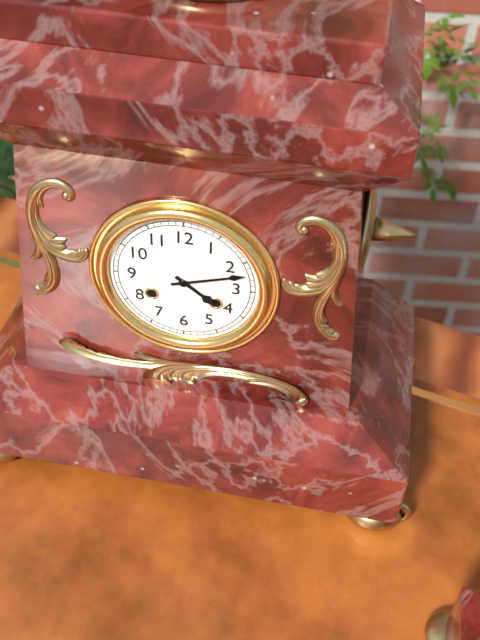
h=4 m=12
